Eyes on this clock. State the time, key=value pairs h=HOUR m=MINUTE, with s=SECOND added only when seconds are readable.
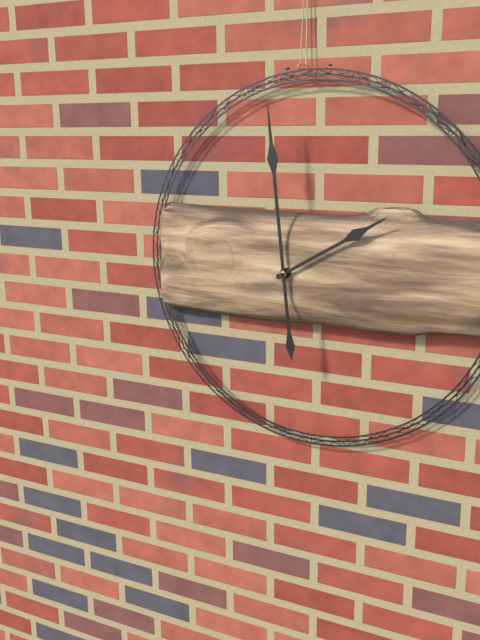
h=1 m=59
